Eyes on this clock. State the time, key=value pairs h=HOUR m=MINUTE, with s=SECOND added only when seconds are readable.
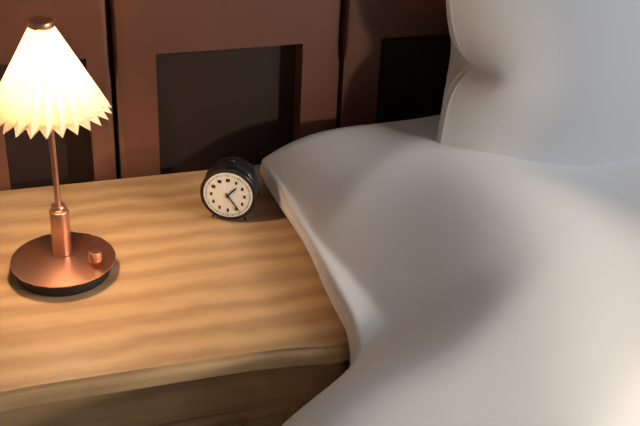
h=1 m=24
